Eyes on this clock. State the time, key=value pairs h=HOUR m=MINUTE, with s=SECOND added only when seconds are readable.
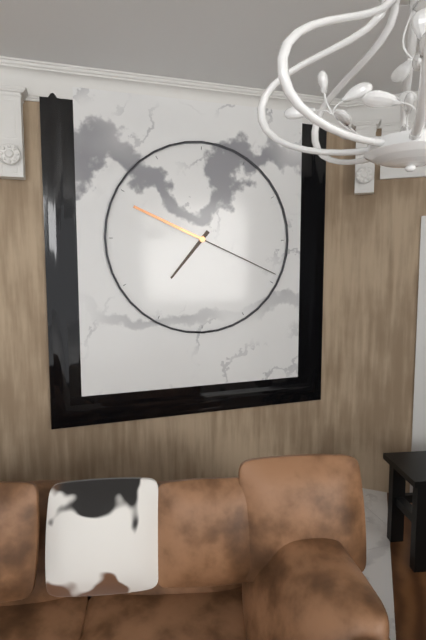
h=7 m=19
